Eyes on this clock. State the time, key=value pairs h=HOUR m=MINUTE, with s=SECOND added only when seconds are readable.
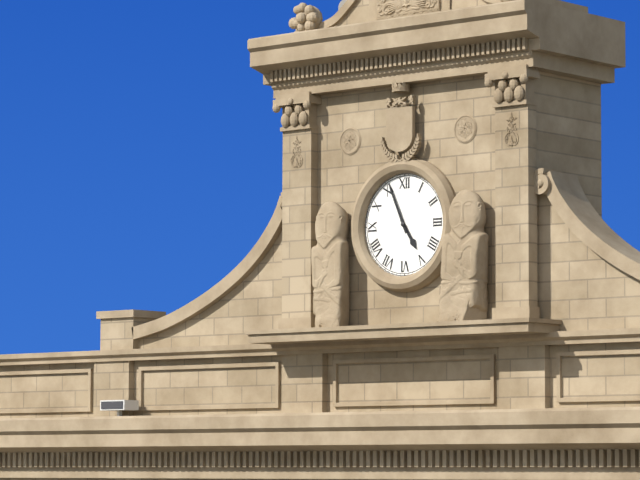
h=4 m=56
